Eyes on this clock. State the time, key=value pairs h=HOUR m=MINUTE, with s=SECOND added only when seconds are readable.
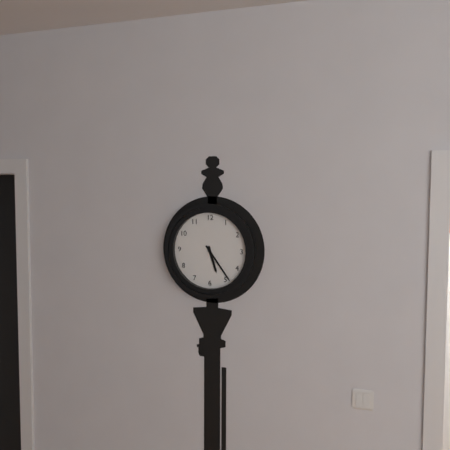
h=5 m=24
